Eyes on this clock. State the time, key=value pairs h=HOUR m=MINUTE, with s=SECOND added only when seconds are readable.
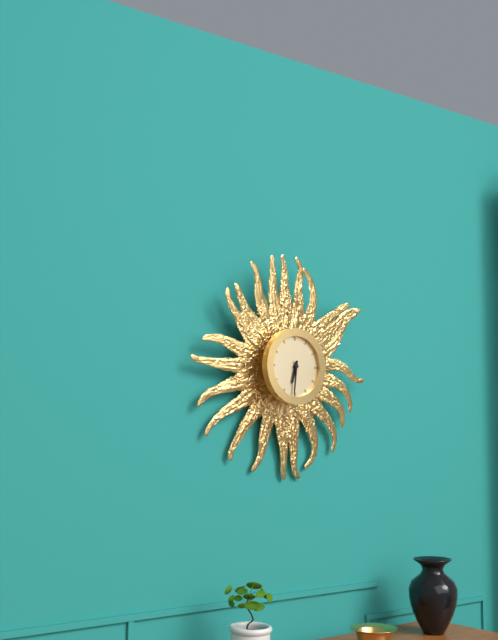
h=6 m=31
